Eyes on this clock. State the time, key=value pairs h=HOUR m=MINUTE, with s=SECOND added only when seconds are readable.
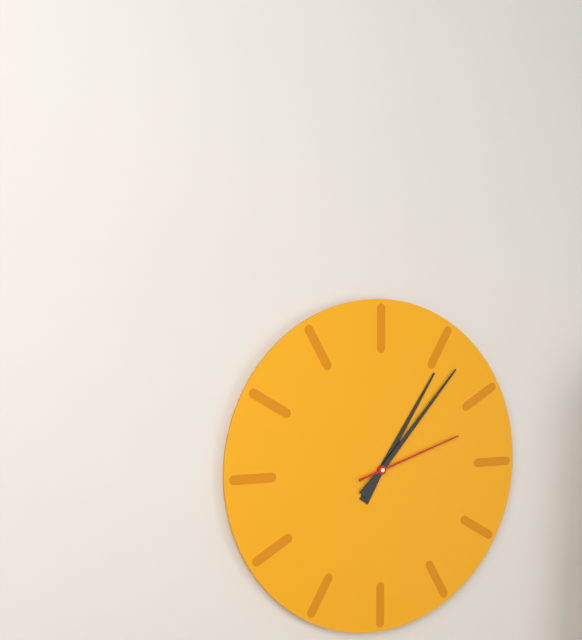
h=1 m=7 s=12
